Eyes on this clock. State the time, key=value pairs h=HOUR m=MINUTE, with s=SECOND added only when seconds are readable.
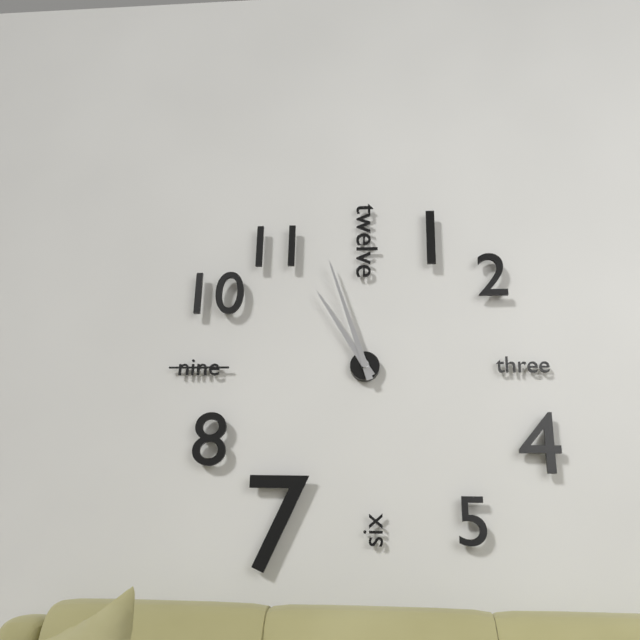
h=10 m=57
